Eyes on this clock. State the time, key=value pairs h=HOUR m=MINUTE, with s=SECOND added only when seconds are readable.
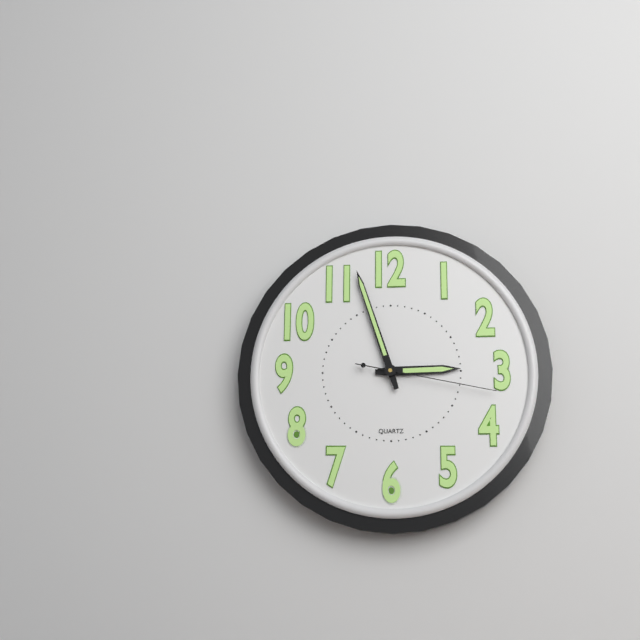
h=2 m=57 s=17
